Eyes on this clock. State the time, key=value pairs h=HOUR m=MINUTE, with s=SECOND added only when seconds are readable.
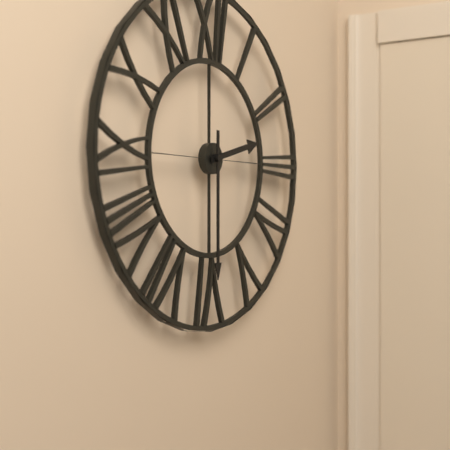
h=2 m=30
